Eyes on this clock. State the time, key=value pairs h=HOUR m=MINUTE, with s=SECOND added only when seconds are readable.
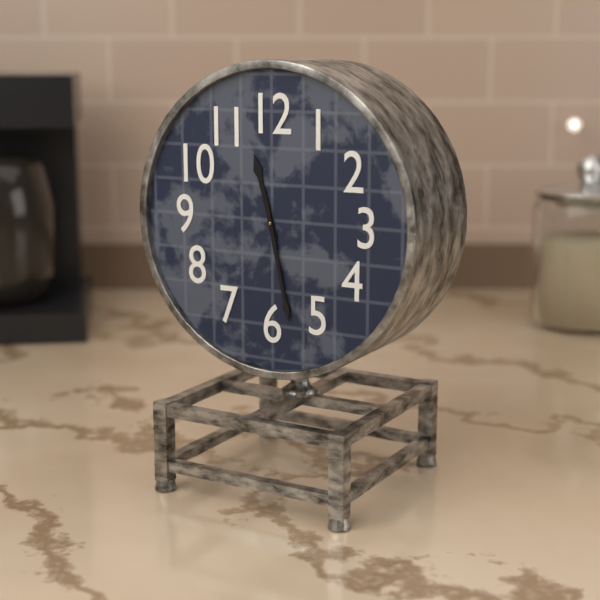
h=11 m=28
